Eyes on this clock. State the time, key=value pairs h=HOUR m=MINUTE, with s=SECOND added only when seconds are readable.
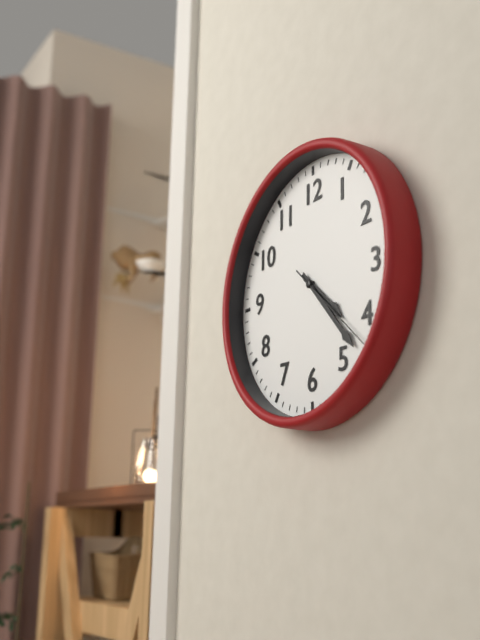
h=4 m=23 s=22
